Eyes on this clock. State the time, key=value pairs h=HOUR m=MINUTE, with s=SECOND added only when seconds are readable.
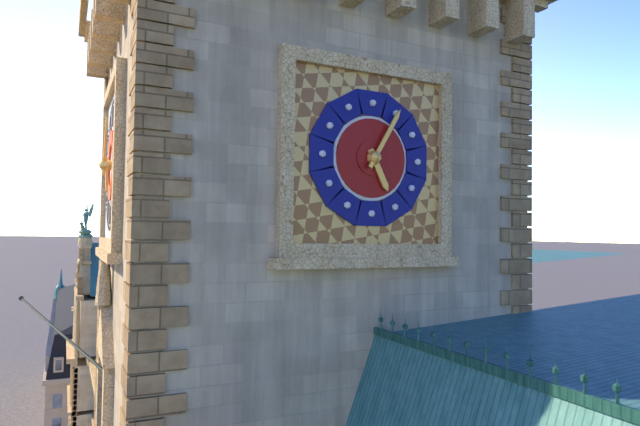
h=5 m=5
